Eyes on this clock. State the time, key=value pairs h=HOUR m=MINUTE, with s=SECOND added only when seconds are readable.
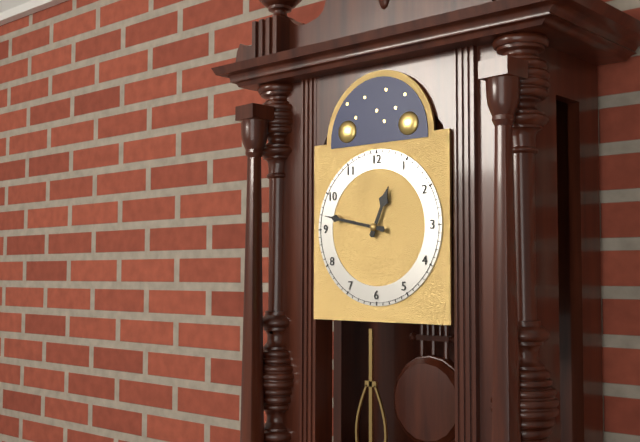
h=12 m=47
